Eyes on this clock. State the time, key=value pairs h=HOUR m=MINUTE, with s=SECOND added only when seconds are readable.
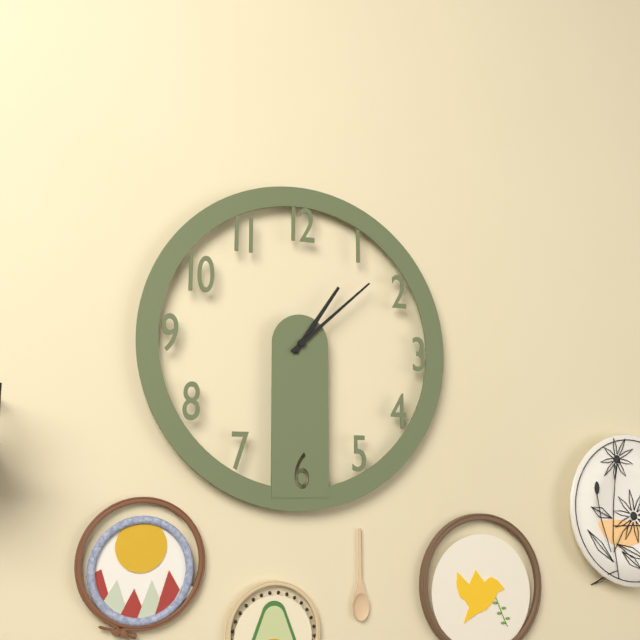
h=1 m=8
